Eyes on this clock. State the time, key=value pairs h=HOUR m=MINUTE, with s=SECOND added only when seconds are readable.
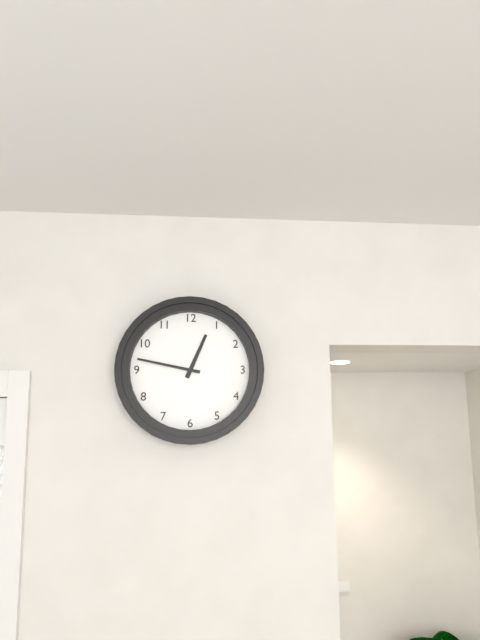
h=12 m=47
